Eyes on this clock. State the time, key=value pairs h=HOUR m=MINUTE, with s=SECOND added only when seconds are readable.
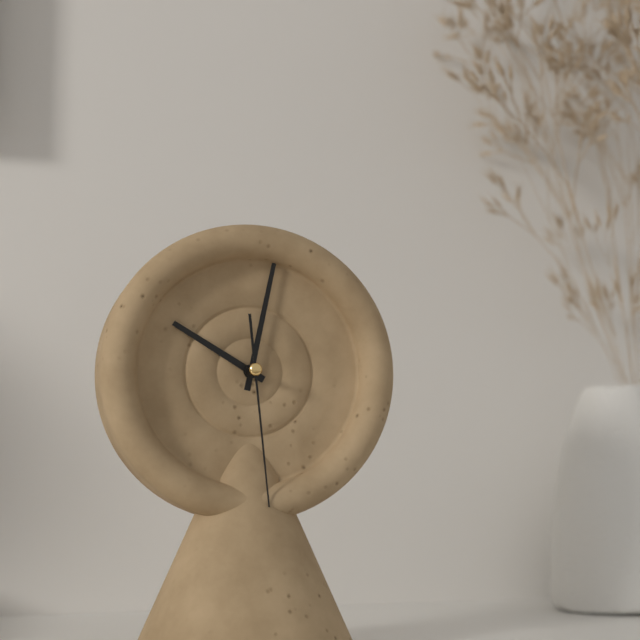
h=10 m=2 s=29
